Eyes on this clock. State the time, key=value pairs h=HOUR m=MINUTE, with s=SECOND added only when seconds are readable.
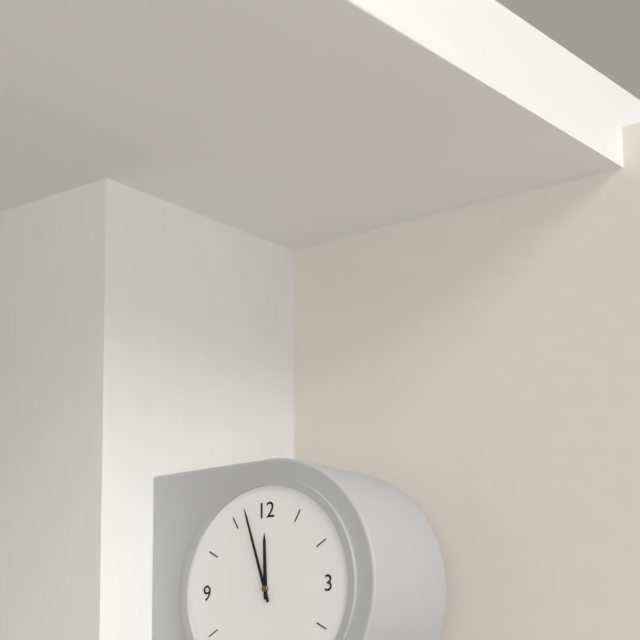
h=11 m=57
